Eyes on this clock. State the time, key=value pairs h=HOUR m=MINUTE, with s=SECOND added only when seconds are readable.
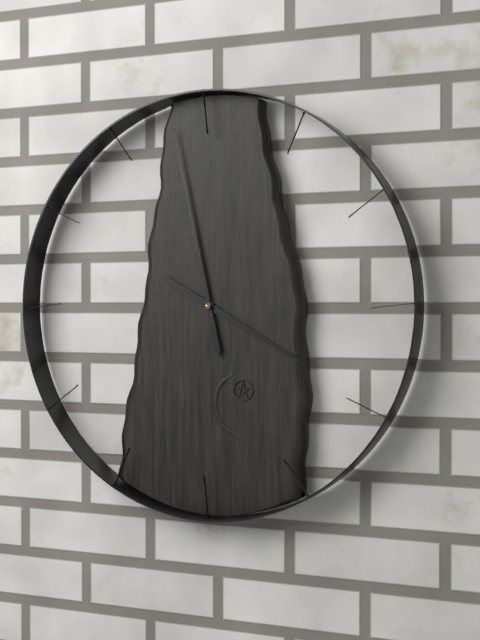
h=3 m=58
